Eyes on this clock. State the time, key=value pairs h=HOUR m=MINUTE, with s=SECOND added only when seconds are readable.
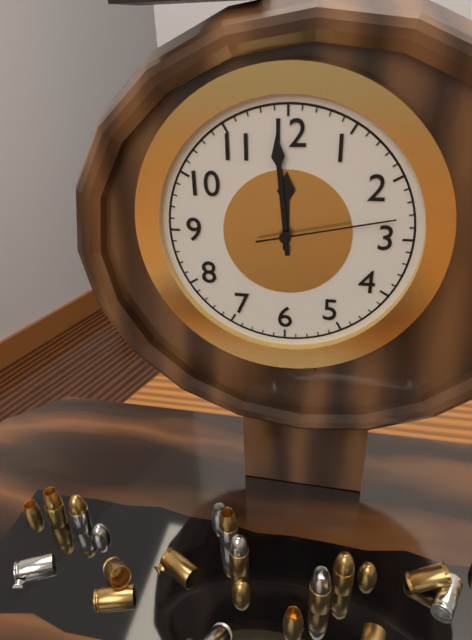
h=11 m=59 s=13
